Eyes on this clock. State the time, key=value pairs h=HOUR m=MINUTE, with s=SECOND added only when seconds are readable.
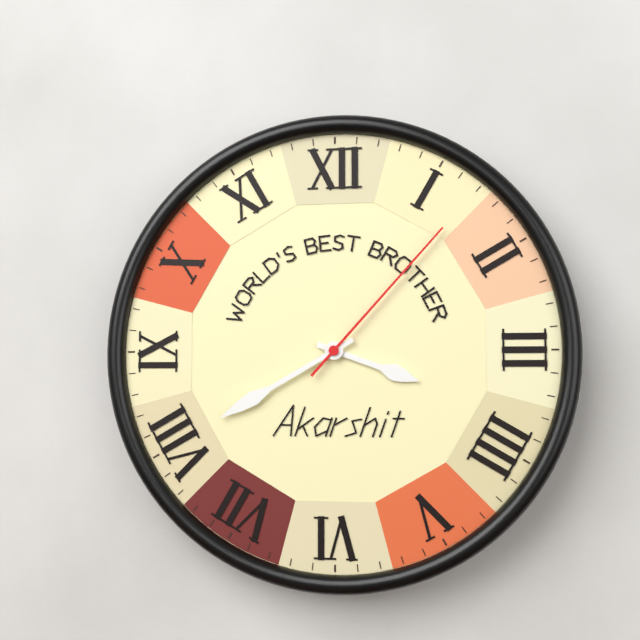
h=3 m=40 s=7
